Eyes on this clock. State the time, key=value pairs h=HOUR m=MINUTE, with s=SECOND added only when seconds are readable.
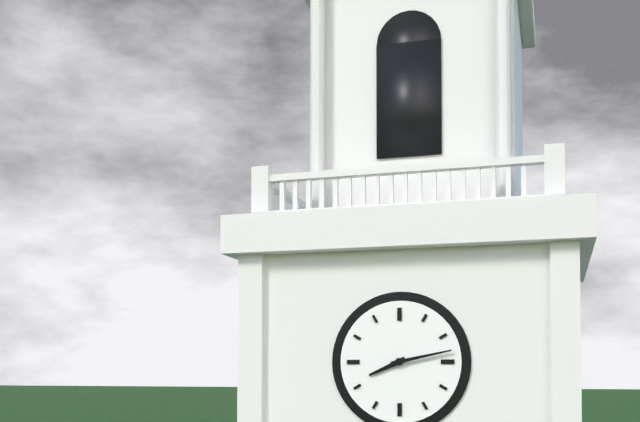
h=8 m=13
